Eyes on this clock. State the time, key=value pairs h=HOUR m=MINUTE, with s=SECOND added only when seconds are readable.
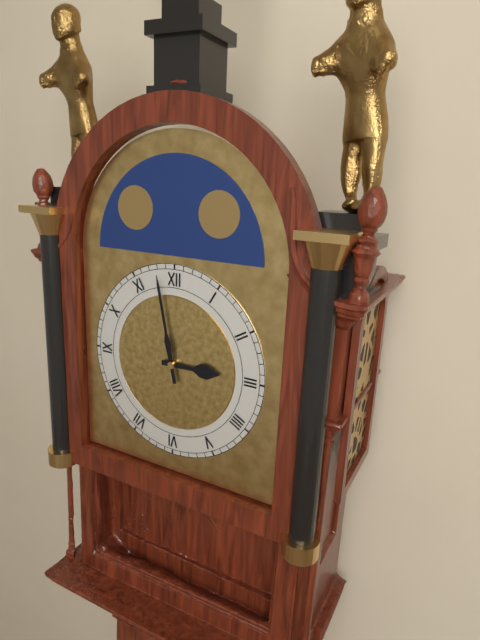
h=2 m=58
